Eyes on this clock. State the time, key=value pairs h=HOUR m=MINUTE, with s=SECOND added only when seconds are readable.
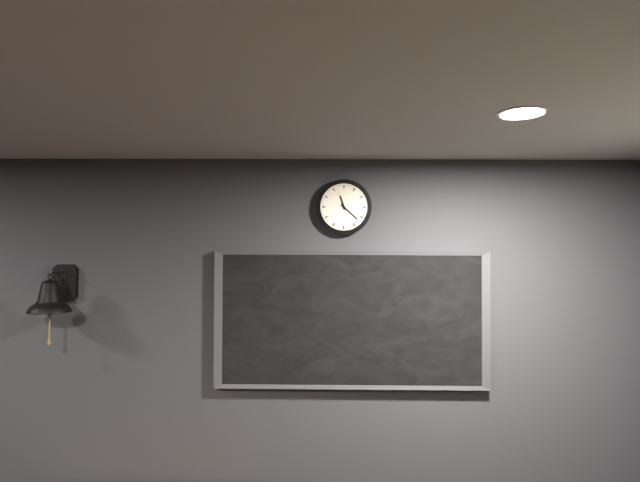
h=11 m=22
